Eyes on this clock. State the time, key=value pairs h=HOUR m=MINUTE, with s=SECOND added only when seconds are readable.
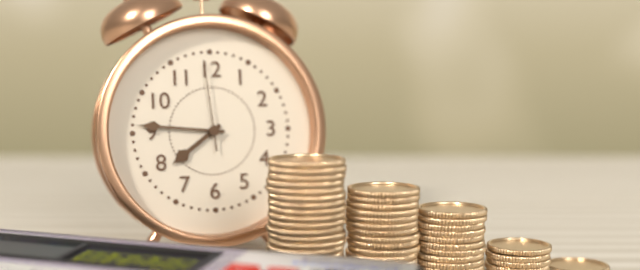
h=7 m=46 s=59
